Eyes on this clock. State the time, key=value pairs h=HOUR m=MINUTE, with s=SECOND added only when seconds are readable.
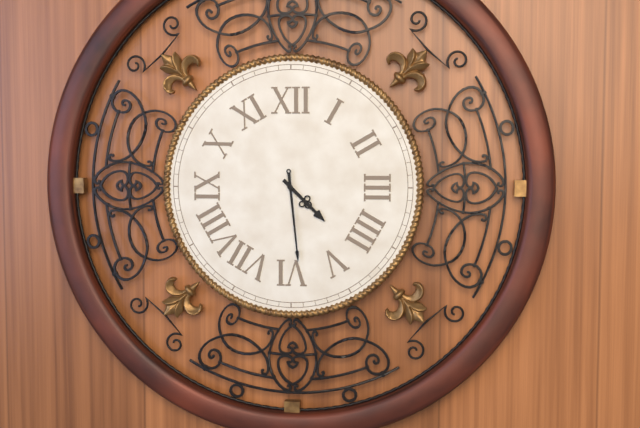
h=4 m=29
